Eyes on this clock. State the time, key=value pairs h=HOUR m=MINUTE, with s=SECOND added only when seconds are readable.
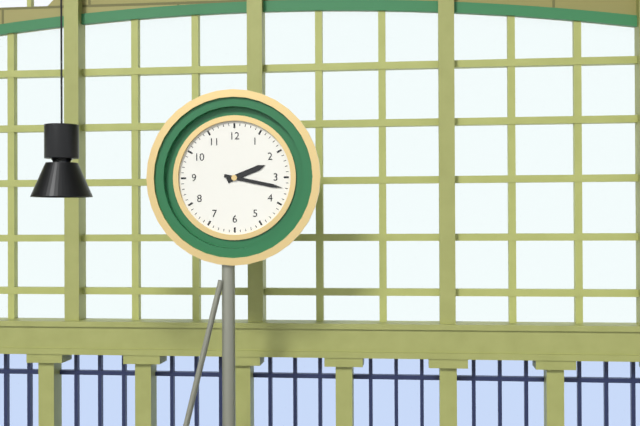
h=2 m=17
